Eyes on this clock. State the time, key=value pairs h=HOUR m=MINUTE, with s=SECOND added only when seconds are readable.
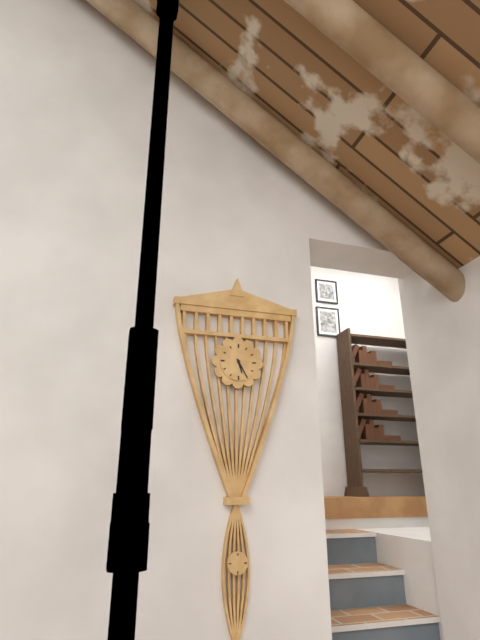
h=5 m=25
